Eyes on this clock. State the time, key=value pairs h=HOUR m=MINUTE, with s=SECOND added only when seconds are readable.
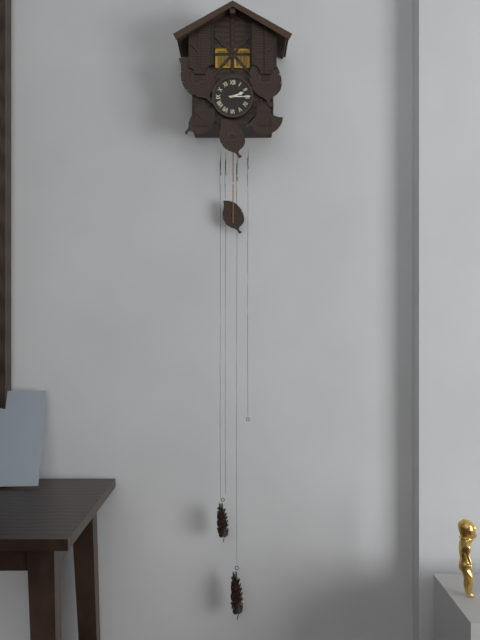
h=2 m=15
